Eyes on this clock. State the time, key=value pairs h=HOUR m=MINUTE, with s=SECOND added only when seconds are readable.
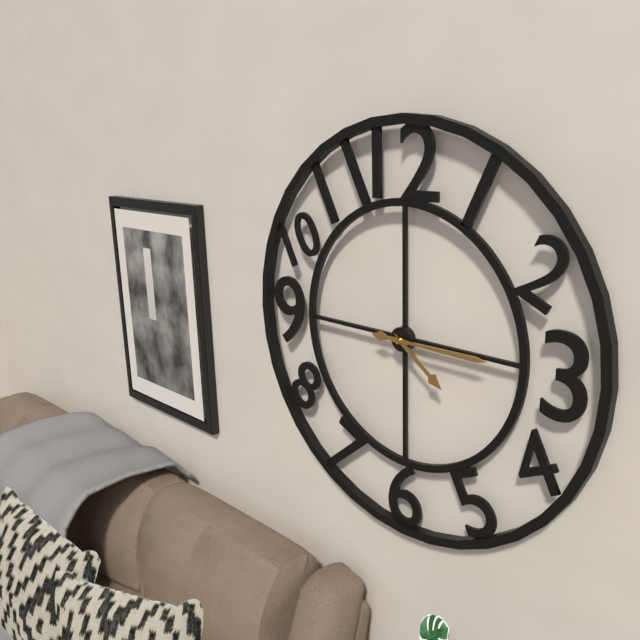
h=4 m=15
